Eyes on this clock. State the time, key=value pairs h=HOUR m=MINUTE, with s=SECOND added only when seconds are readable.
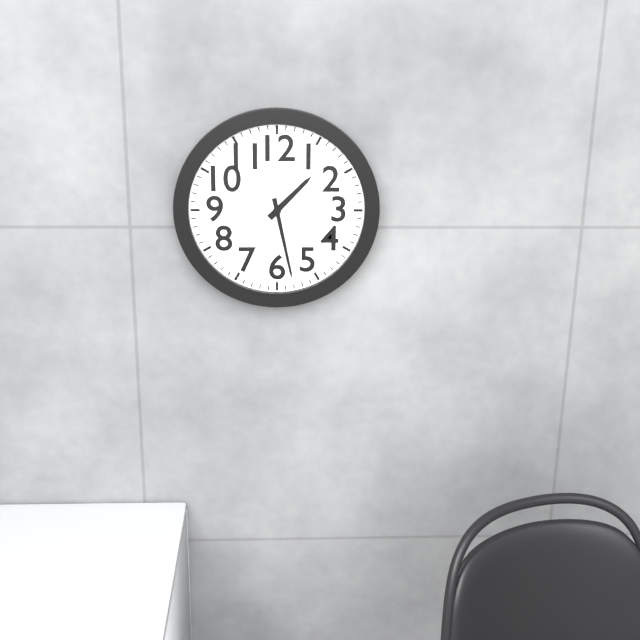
h=1 m=28
